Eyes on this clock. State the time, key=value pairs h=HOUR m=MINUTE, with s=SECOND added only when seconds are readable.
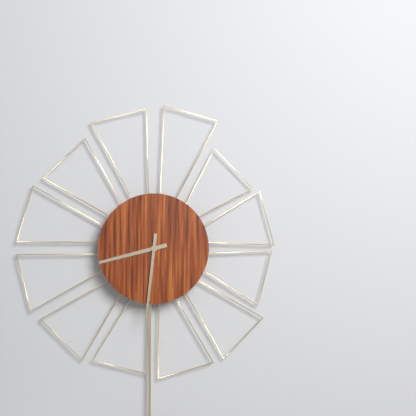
h=8 m=31
